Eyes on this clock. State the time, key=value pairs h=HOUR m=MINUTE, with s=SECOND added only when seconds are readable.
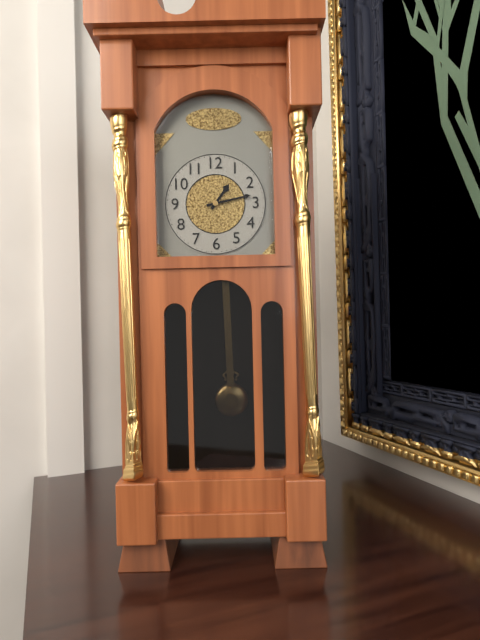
h=1 m=13
